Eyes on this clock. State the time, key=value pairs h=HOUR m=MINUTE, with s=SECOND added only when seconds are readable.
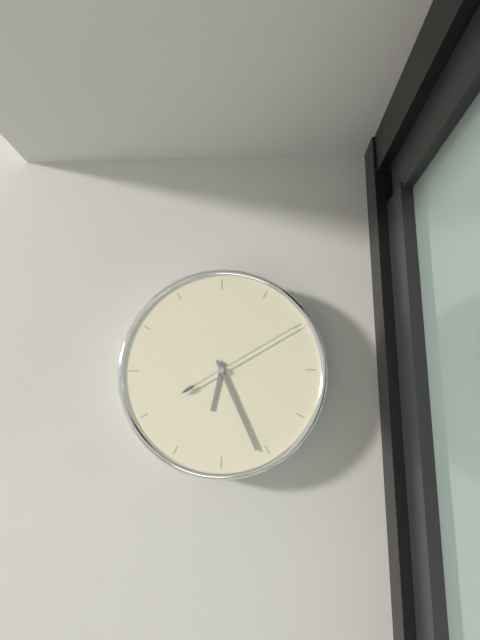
h=6 m=26 s=10
